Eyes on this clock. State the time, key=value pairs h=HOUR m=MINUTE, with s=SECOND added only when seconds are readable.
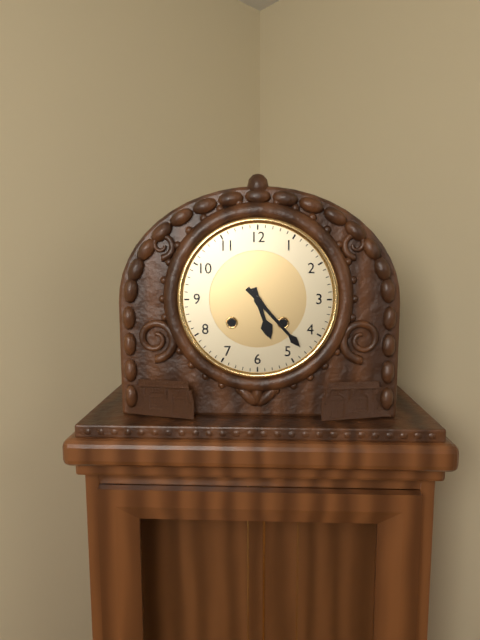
h=5 m=23
